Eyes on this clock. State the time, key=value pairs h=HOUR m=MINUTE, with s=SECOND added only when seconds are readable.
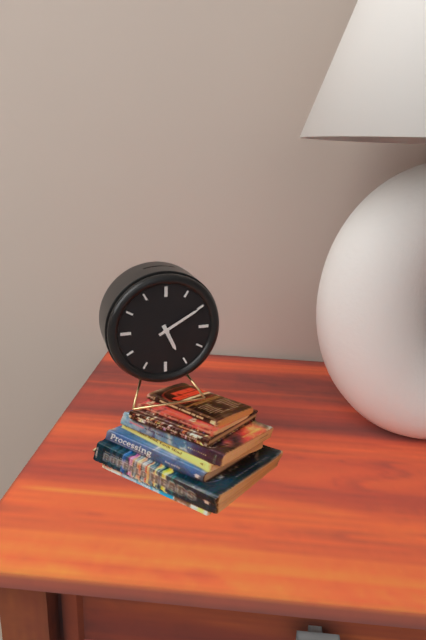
h=5 m=10
